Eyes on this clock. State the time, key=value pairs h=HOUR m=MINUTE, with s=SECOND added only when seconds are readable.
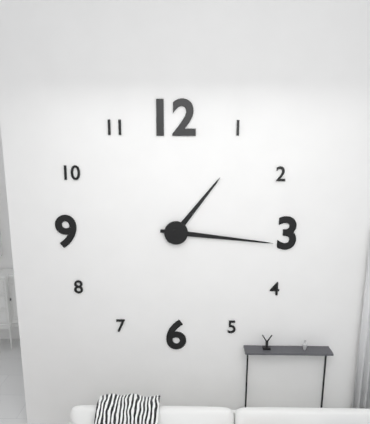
h=1 m=16
